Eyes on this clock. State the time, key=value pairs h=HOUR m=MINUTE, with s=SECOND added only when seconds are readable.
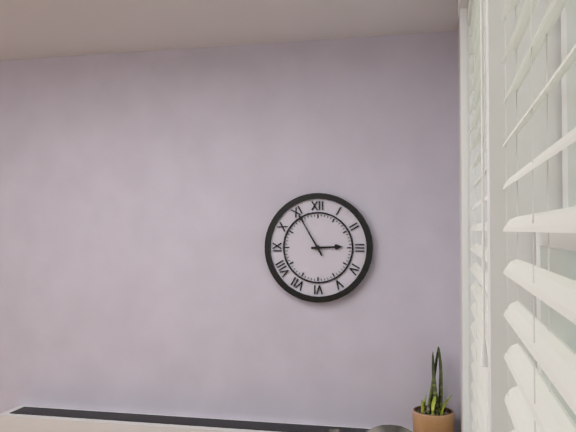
h=2 m=55
